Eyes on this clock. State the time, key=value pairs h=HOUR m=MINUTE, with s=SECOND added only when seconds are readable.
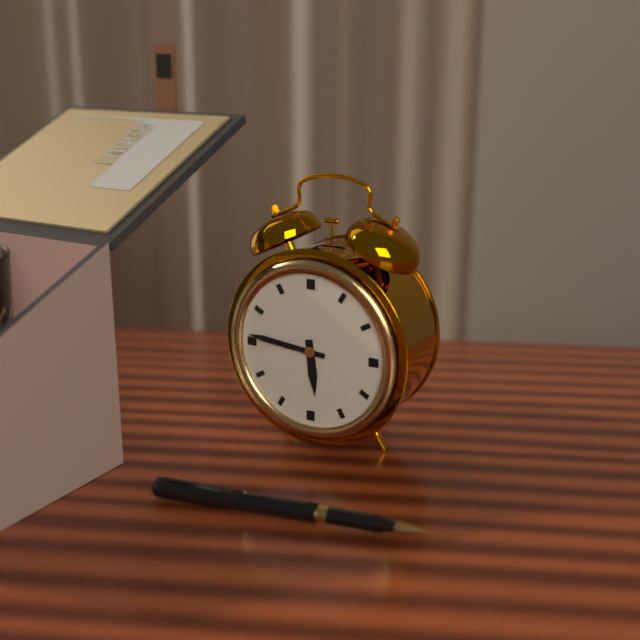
h=5 m=46
